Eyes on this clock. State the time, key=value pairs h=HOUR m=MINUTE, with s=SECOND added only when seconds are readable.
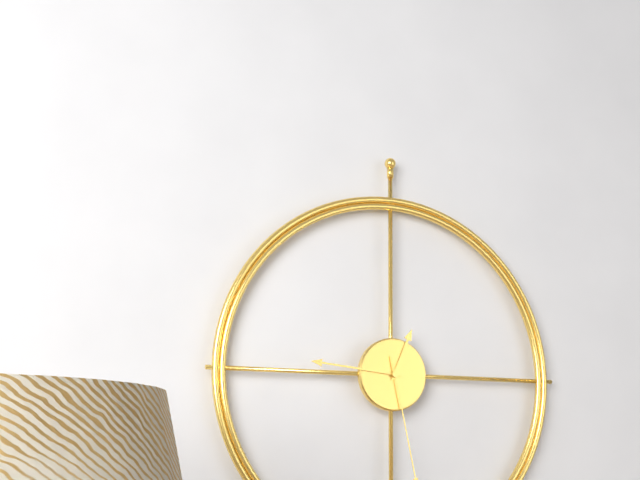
h=12 m=46
